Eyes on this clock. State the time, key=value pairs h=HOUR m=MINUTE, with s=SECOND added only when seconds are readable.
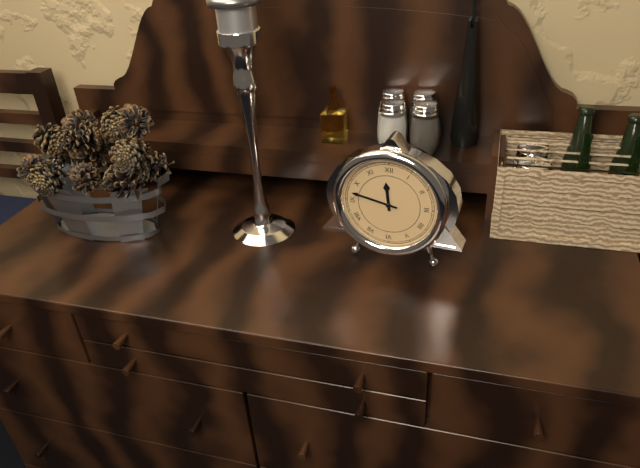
h=11 m=47
